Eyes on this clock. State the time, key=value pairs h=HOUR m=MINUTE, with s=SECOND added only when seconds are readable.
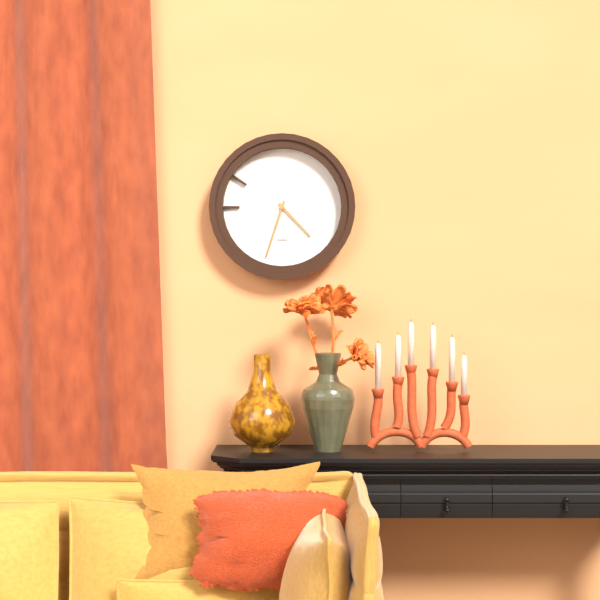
h=4 m=33
